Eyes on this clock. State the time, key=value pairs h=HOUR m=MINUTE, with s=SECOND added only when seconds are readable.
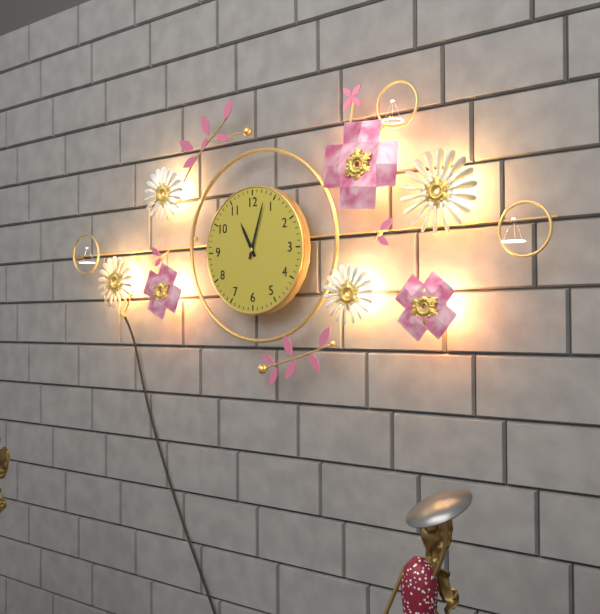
h=11 m=3
